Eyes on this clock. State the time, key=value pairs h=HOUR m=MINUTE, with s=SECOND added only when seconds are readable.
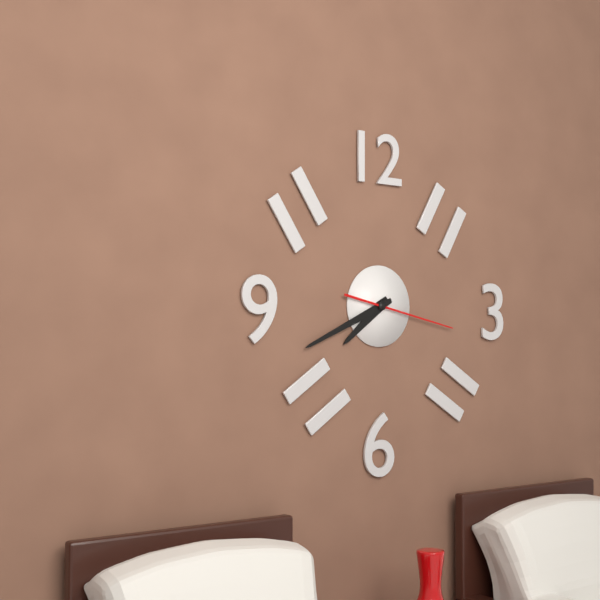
h=7 m=41 s=17
